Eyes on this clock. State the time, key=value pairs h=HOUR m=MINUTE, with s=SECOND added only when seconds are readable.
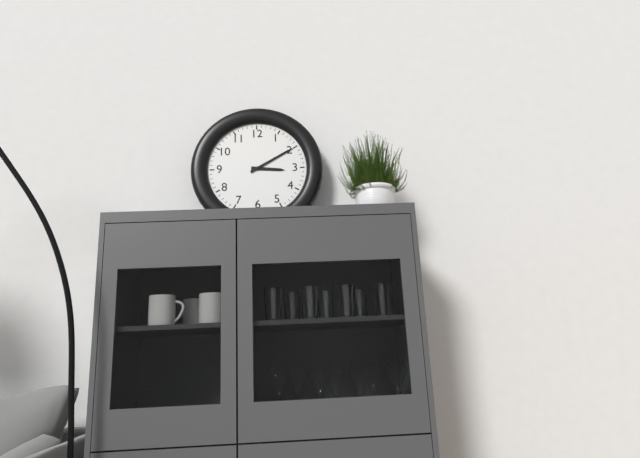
h=3 m=10
